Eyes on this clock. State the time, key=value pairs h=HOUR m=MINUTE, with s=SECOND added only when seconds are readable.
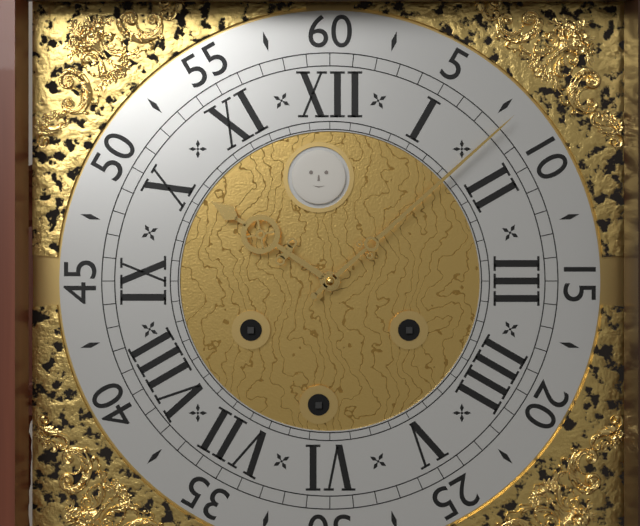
h=10 m=8
